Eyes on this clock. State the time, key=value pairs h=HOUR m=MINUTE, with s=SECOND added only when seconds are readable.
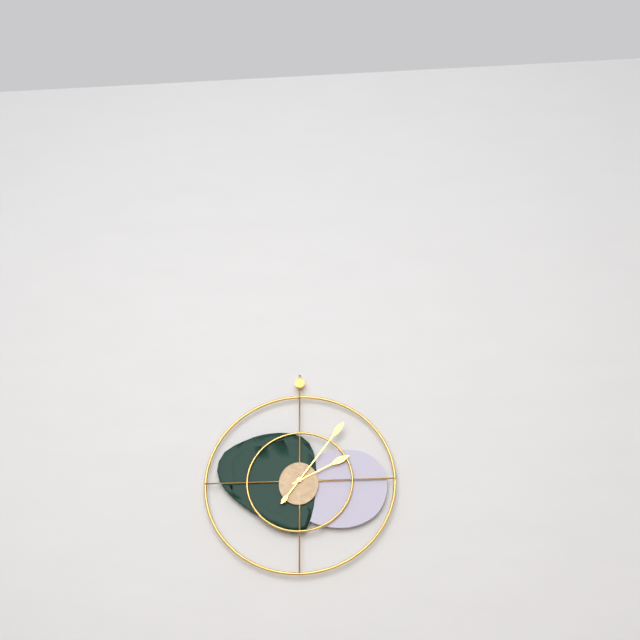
h=2 m=6
